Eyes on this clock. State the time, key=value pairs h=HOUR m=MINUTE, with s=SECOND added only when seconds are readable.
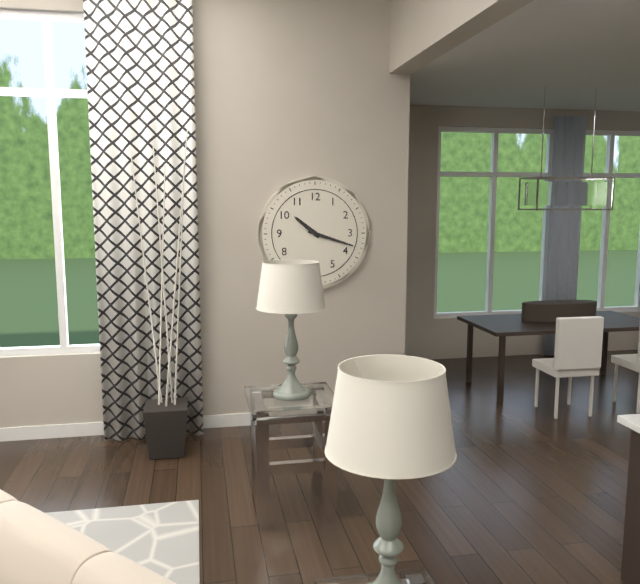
h=10 m=18
